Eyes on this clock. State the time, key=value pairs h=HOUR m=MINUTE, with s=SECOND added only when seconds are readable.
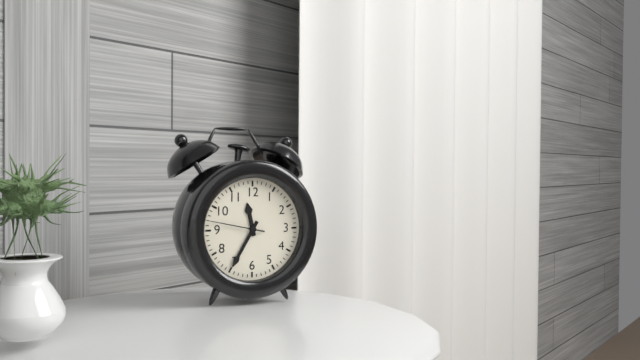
h=11 m=35 s=47
